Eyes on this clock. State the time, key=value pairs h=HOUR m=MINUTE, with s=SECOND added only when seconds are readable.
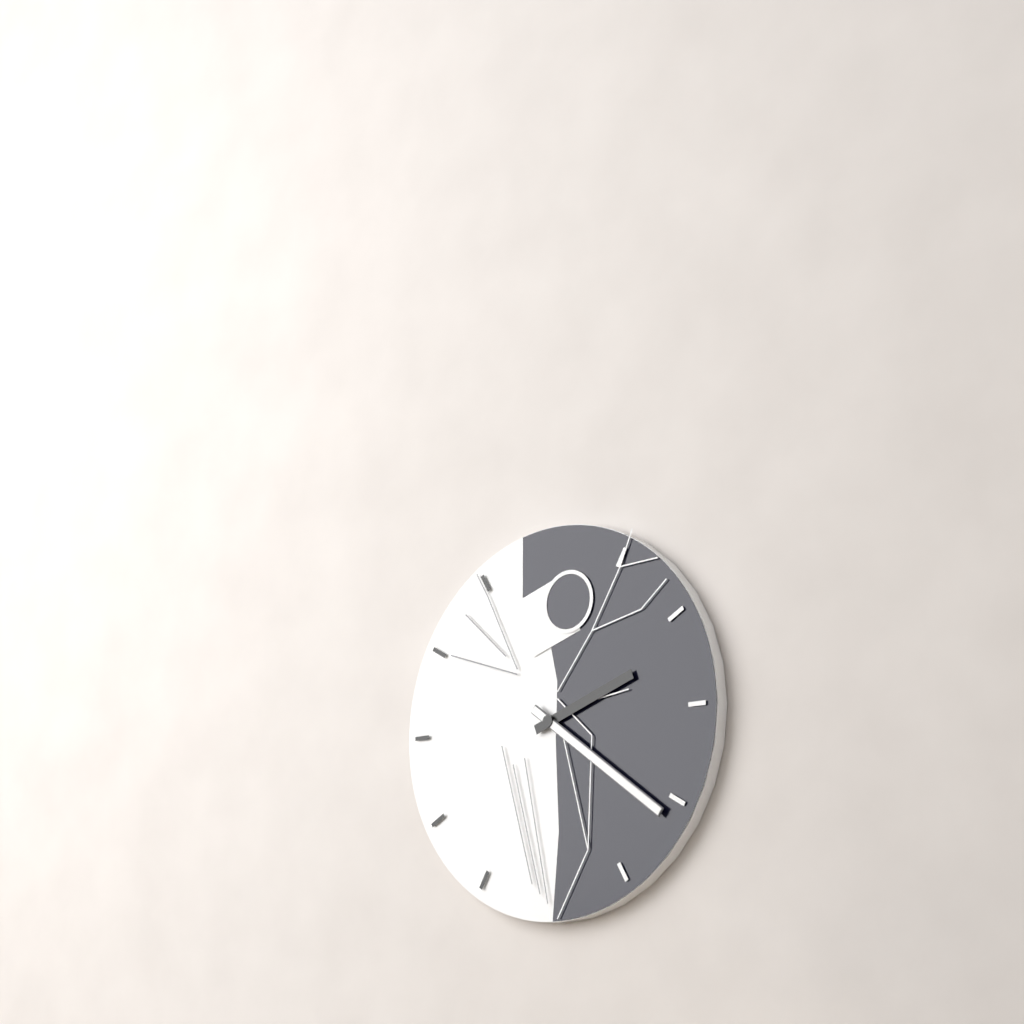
h=2 m=21
